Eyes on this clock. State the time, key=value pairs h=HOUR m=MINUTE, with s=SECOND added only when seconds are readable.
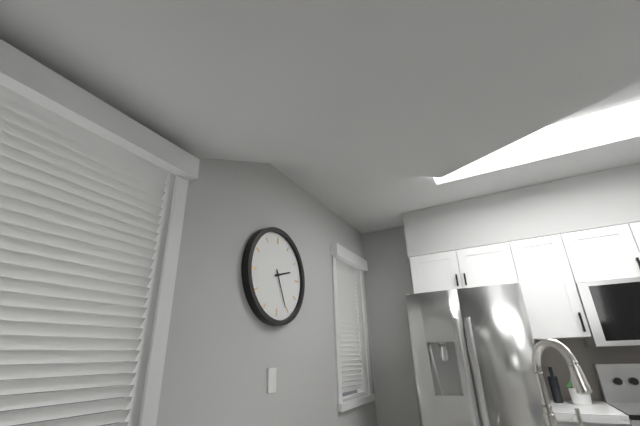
h=2 m=26
